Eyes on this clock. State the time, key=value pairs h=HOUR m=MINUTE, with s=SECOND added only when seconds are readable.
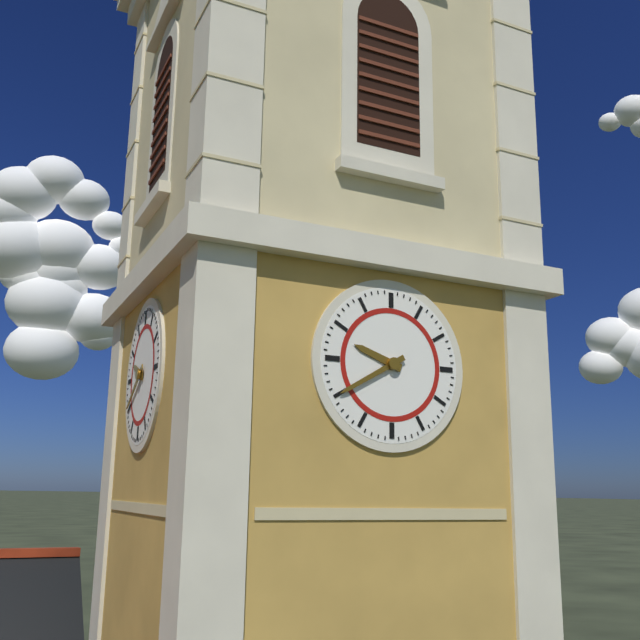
h=9 m=40
